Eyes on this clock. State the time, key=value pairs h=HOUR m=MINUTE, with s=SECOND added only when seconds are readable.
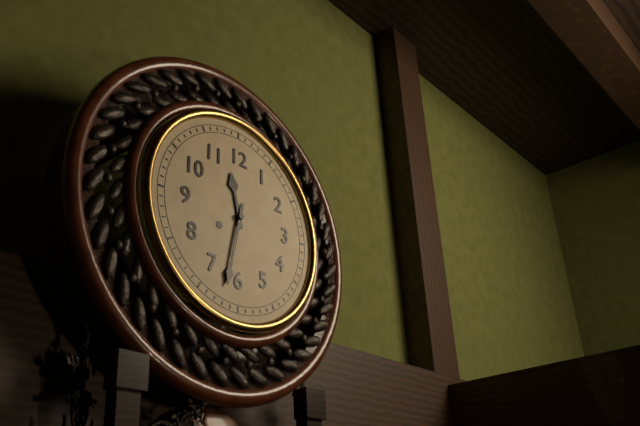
h=11 m=32
